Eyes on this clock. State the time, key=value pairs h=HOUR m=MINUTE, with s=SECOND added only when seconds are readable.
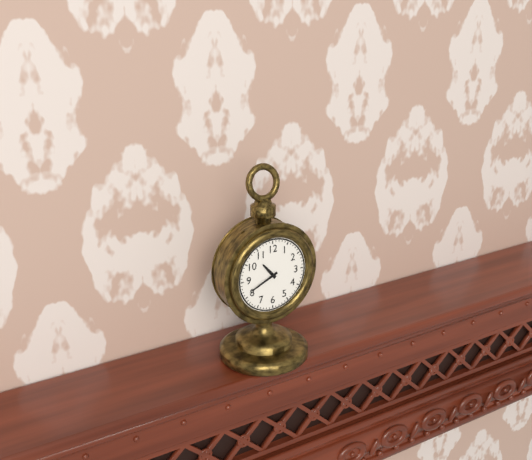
h=10 m=41
